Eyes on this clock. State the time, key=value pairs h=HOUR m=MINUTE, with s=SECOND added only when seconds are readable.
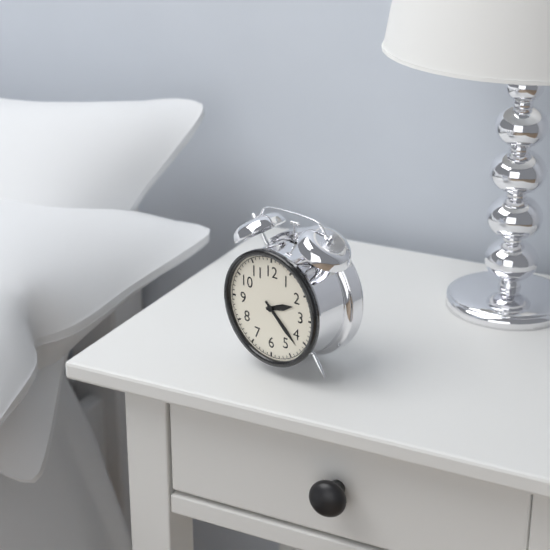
h=2 m=22
